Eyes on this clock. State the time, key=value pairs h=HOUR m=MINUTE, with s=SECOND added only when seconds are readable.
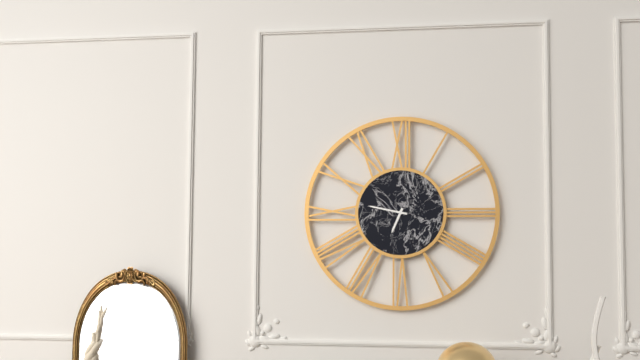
h=6 m=47
